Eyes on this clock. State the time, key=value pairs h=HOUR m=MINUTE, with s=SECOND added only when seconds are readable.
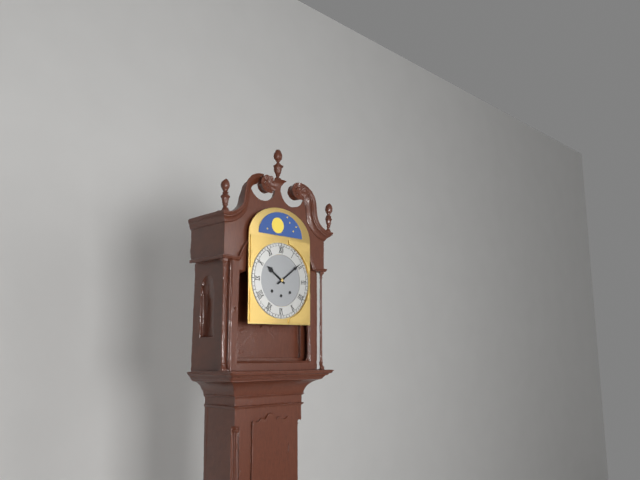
h=10 m=9
